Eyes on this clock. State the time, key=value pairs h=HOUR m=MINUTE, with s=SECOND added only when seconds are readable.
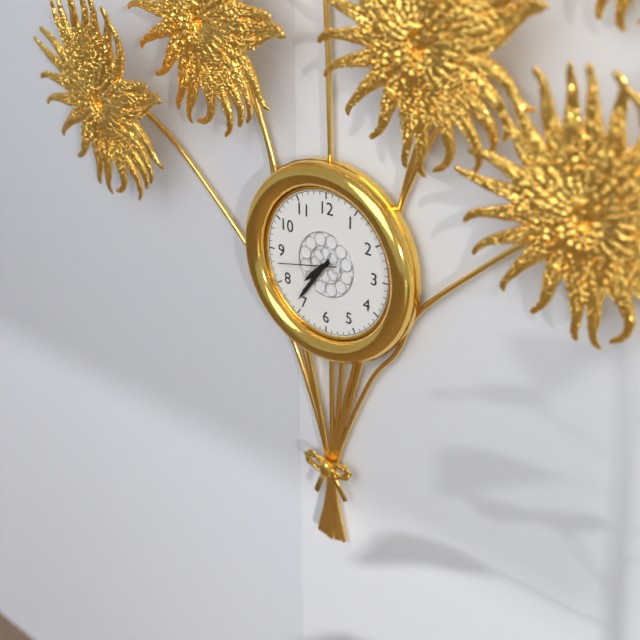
h=7 m=36 s=43
